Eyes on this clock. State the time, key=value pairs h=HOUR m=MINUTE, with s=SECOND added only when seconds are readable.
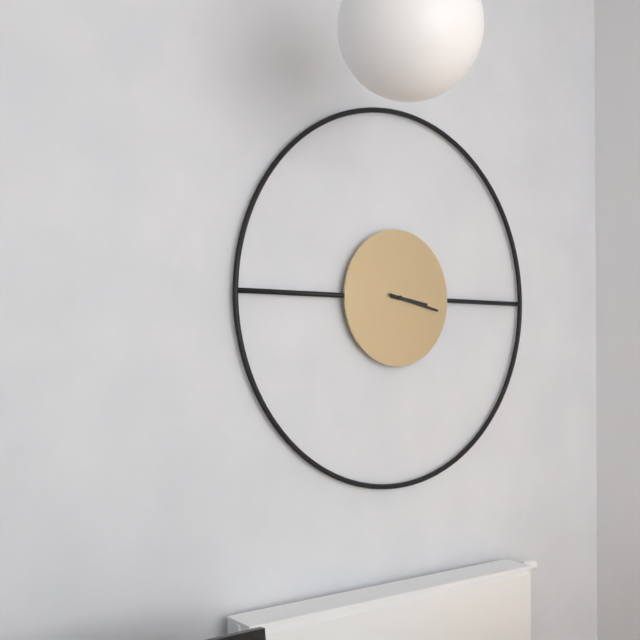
h=3 m=17
